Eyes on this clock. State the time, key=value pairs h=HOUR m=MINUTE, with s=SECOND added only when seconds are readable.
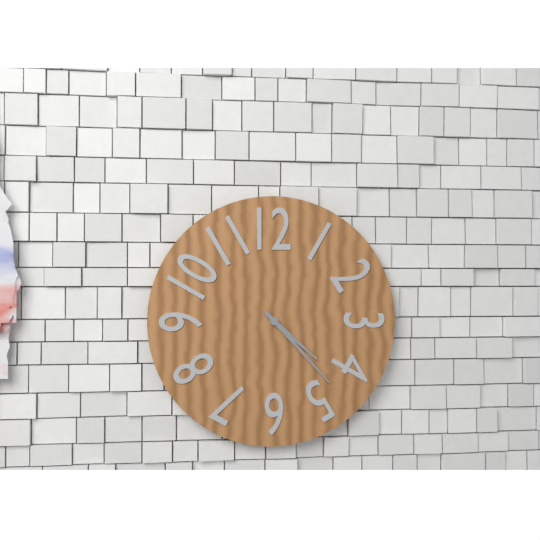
h=4 m=23
